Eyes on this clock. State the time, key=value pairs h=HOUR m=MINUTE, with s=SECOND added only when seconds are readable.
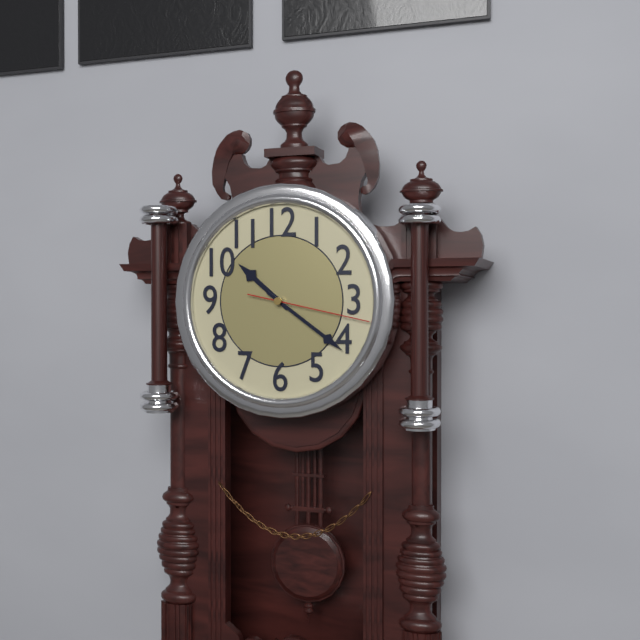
h=10 m=21 s=17
